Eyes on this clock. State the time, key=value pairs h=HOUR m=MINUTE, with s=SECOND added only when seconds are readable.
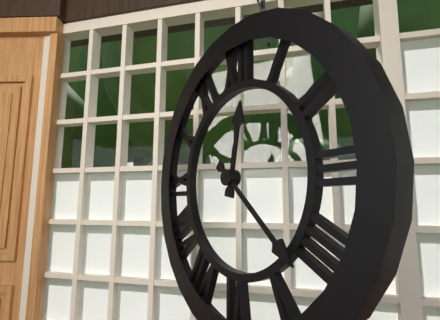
h=12 m=22
